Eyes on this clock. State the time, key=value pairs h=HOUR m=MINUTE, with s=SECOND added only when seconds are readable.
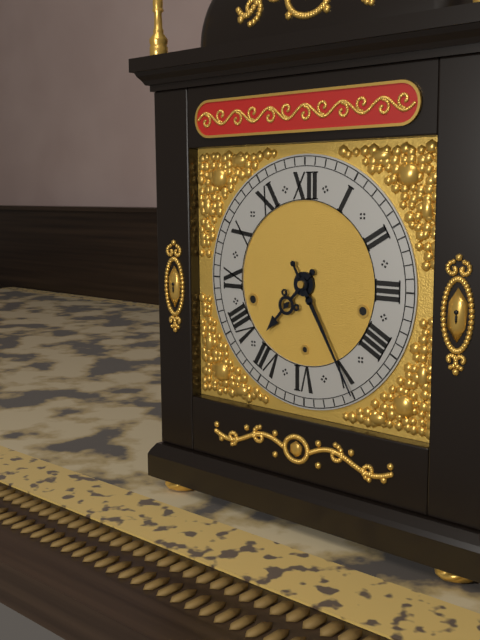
h=7 m=25
